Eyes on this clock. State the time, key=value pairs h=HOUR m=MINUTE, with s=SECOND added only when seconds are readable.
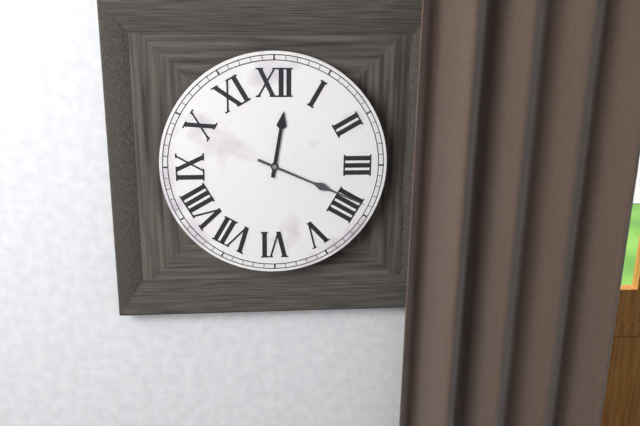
h=12 m=19
